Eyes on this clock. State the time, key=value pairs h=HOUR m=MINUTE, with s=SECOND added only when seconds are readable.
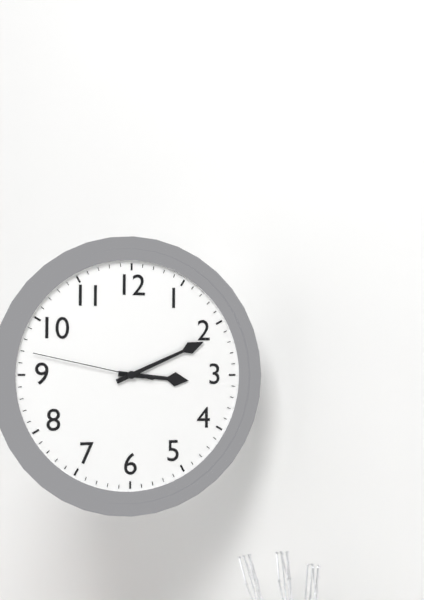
h=3 m=11 s=47
